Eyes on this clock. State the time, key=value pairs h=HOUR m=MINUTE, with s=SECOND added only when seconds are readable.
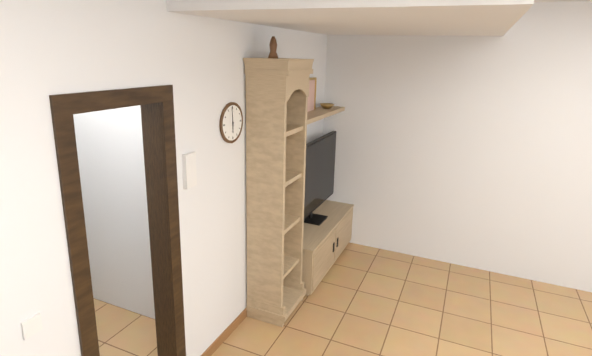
h=5 m=59
